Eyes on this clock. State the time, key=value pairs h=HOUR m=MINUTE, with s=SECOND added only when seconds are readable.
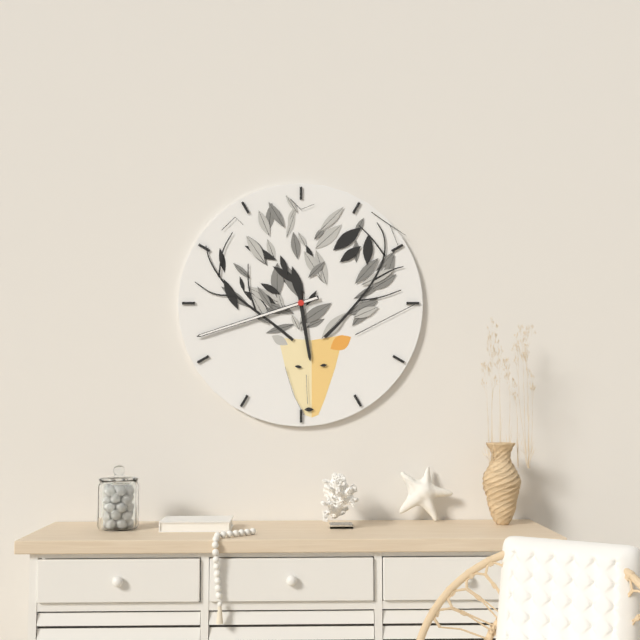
h=5 m=42
